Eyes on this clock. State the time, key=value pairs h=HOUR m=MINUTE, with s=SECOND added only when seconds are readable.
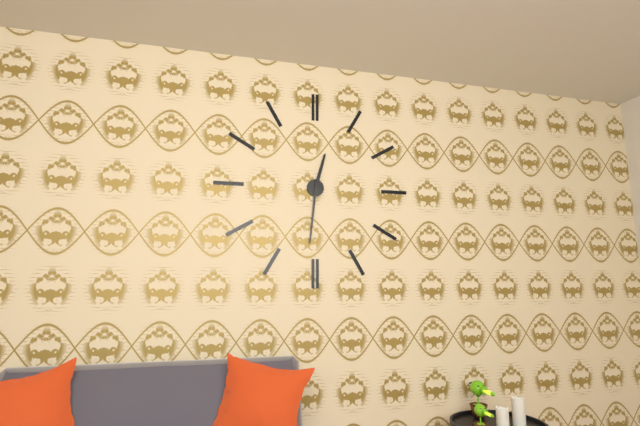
h=12 m=31
